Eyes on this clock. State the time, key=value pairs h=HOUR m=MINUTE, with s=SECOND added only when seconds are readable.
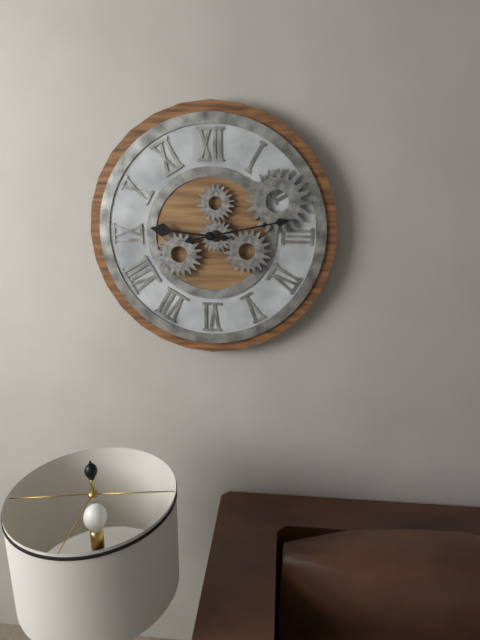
h=9 m=13
